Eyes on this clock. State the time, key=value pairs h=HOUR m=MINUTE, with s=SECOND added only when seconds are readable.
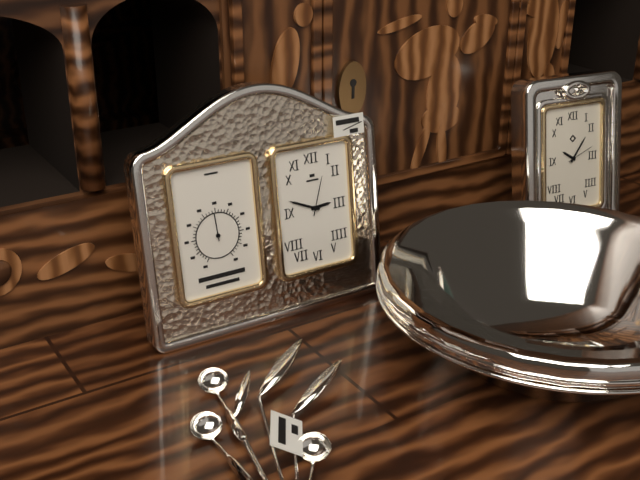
h=2 m=49
